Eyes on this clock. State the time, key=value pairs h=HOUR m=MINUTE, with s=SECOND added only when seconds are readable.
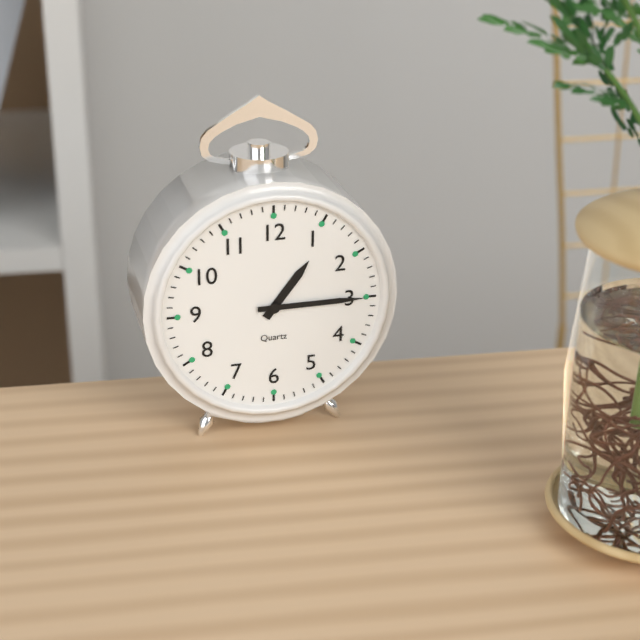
h=1 m=15
